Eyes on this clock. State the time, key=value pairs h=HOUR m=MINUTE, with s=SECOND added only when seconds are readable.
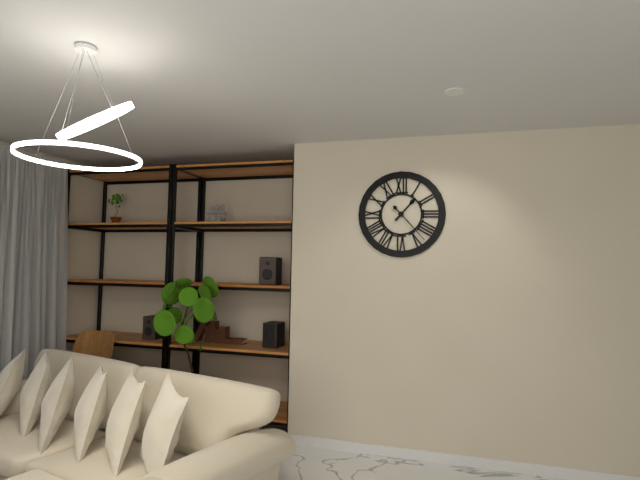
h=1 m=23
